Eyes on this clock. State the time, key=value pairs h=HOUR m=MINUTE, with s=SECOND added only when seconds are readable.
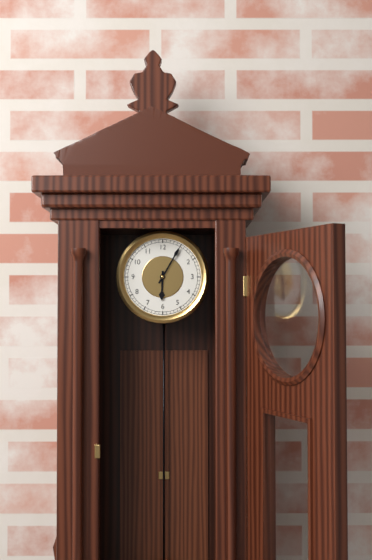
h=6 m=5
